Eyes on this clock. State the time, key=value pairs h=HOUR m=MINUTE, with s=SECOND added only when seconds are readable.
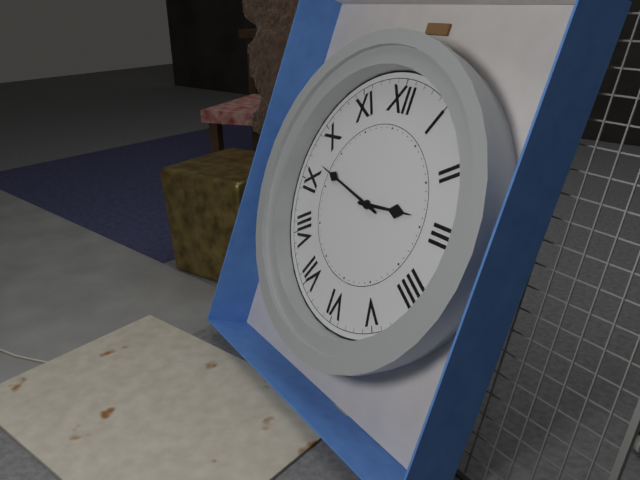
h=2 m=47
